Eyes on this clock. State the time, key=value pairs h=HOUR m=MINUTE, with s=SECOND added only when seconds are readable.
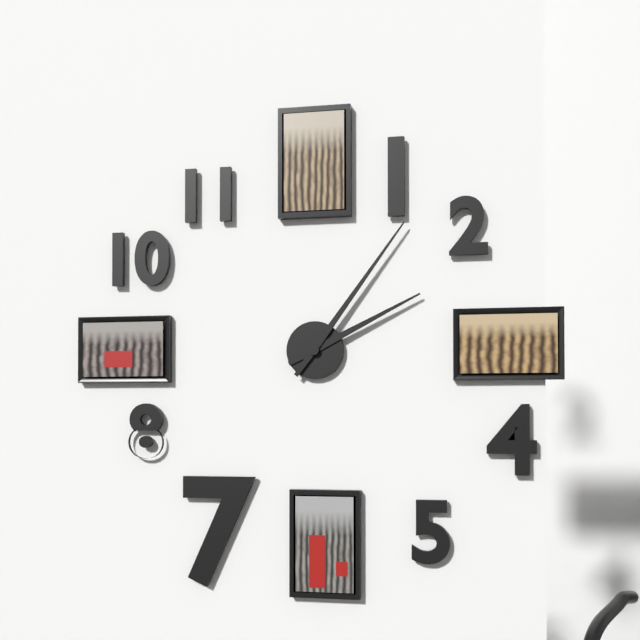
h=2 m=6
